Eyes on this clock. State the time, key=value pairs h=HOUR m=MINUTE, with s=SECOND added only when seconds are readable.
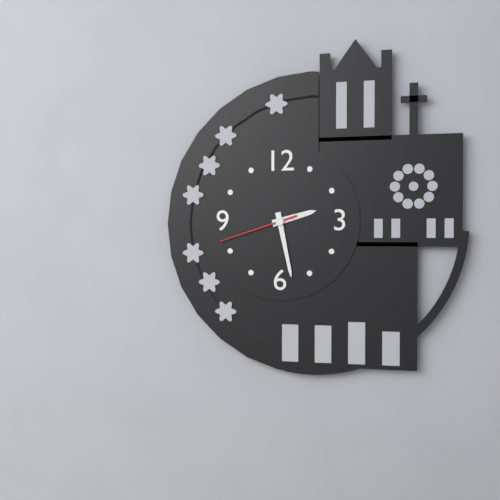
h=2 m=28 s=42
